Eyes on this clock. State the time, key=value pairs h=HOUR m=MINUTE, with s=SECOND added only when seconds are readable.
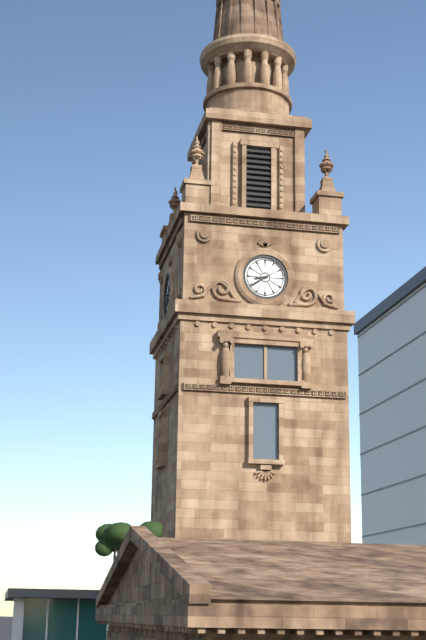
h=8 m=39
